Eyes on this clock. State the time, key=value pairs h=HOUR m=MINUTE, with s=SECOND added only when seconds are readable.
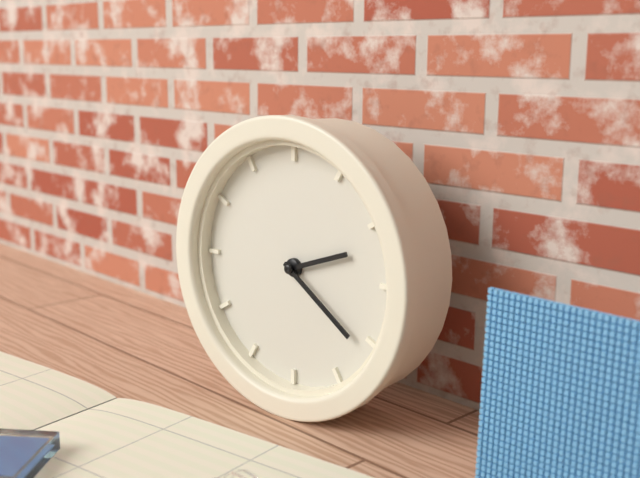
h=2 m=21
